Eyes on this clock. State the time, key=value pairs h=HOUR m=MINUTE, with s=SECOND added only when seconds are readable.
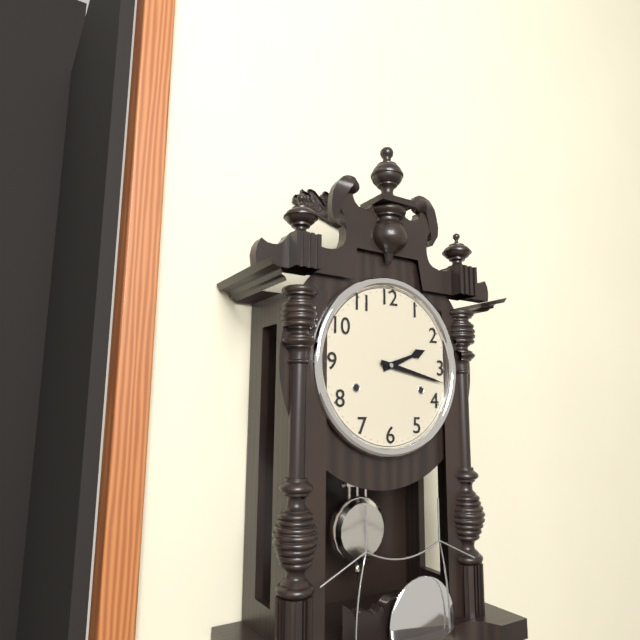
h=2 m=17
